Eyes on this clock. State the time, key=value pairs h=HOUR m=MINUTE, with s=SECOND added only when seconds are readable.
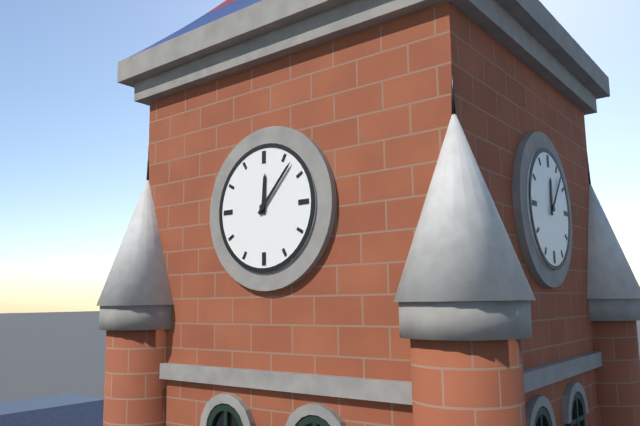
h=12 m=7
